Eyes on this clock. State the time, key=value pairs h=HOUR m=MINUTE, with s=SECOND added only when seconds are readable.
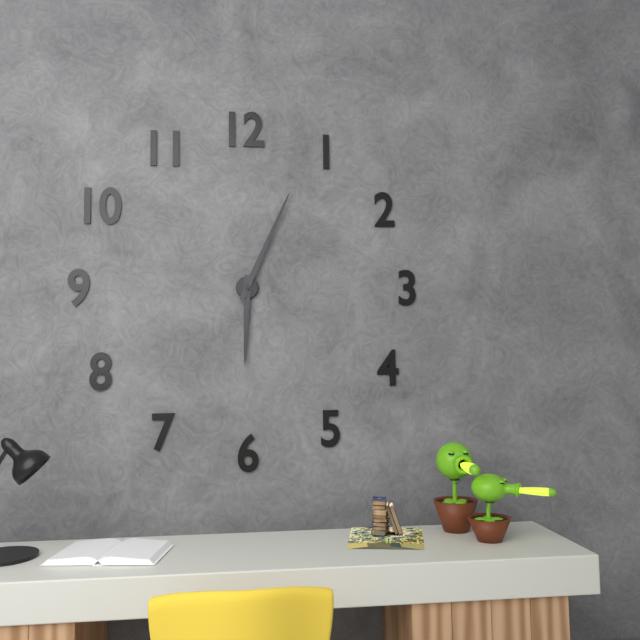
h=6 m=4
